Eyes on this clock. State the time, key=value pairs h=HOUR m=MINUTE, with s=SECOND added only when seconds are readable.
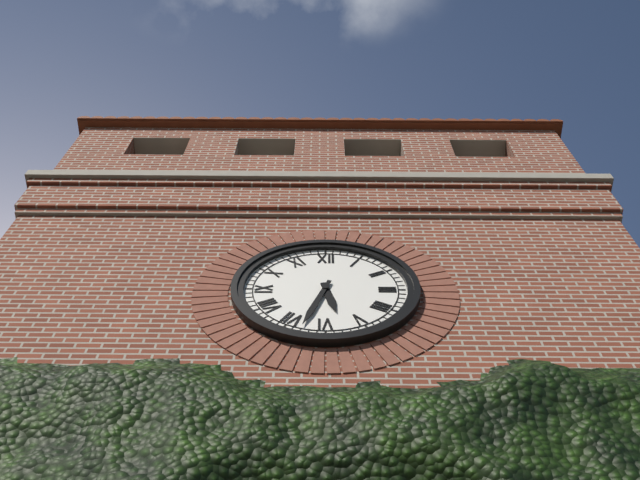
h=5 m=33
